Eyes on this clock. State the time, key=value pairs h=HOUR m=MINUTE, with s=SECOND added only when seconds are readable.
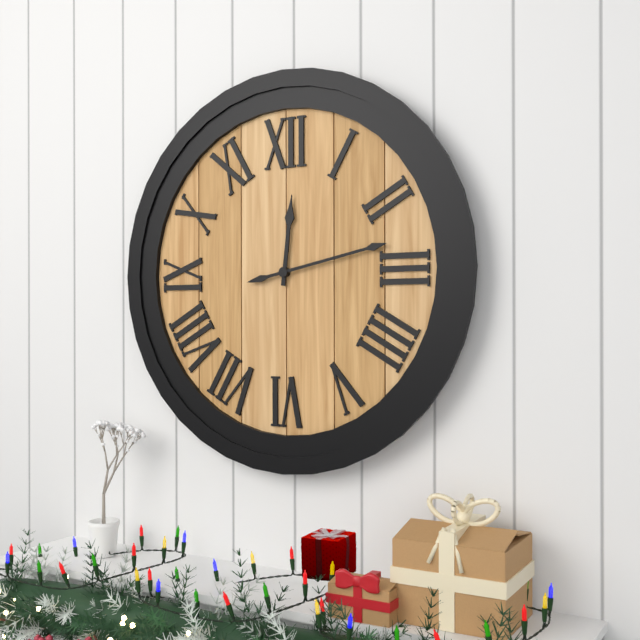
h=12 m=13
